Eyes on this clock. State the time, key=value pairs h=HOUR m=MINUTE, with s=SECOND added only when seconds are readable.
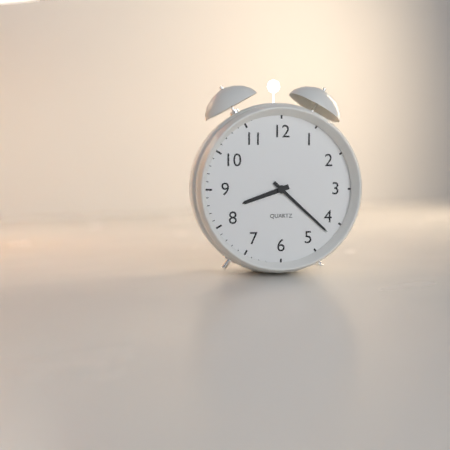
h=8 m=22
